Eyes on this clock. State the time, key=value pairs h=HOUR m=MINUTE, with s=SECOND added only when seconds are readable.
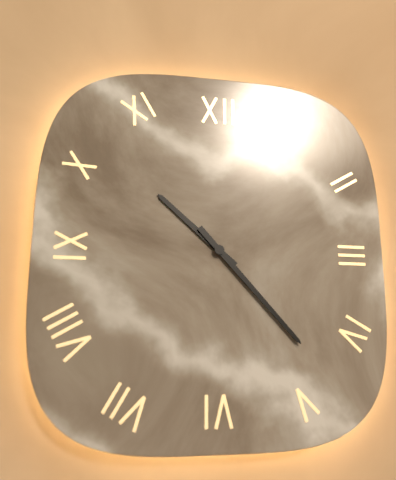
h=10 m=23
